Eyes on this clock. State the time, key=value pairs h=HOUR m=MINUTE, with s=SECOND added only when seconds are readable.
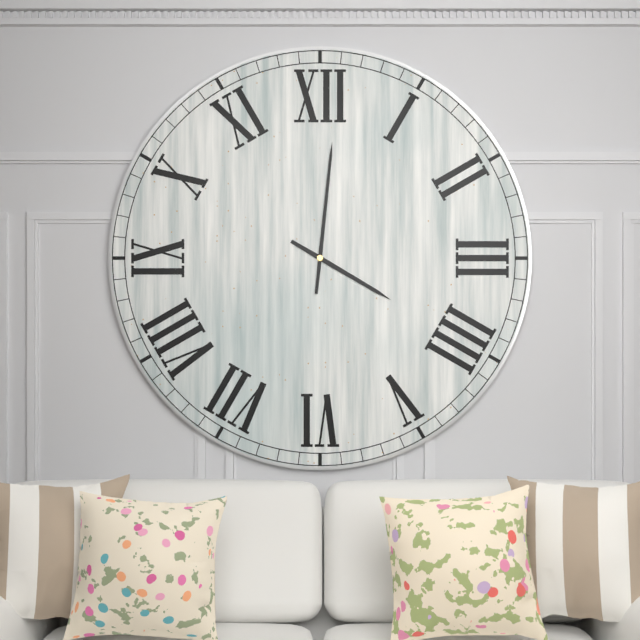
h=4 m=1
